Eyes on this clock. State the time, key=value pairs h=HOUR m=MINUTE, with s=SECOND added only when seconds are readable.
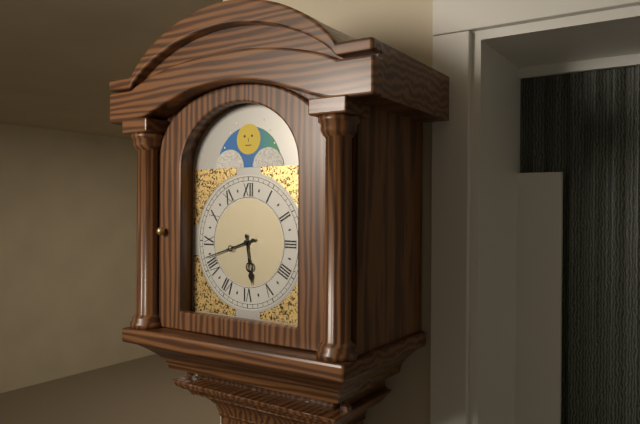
h=5 m=42
